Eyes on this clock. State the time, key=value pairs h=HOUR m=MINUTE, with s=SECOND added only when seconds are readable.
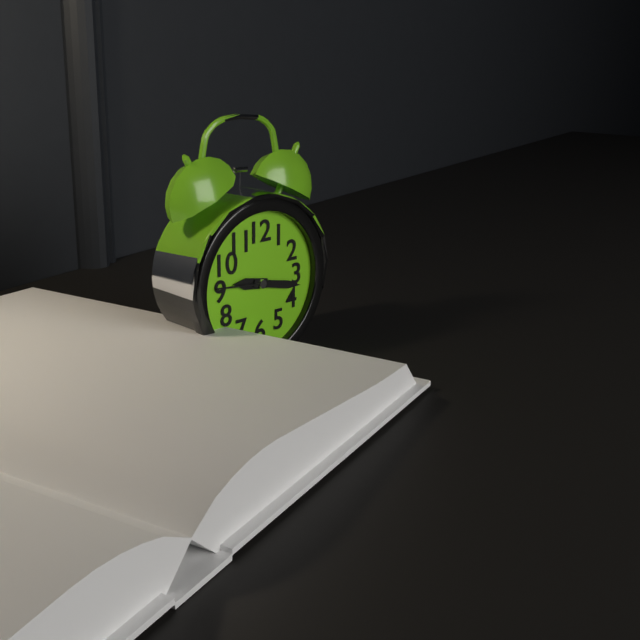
h=9 m=17 s=46
